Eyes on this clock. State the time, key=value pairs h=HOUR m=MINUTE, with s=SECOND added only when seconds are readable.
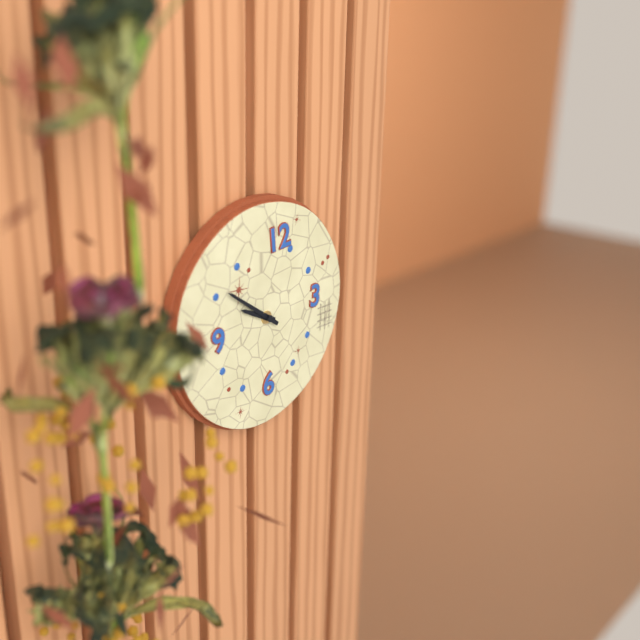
h=9 m=51
